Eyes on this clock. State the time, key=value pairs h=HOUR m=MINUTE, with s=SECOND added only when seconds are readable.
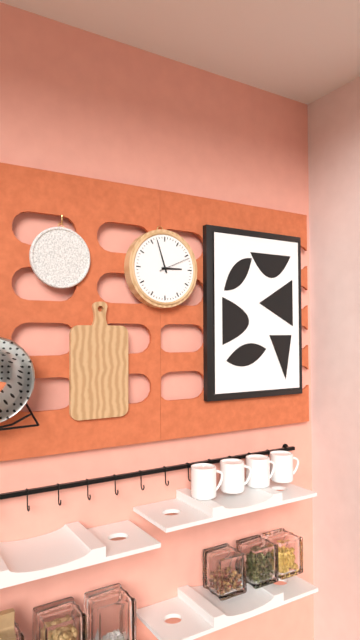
h=2 m=57
